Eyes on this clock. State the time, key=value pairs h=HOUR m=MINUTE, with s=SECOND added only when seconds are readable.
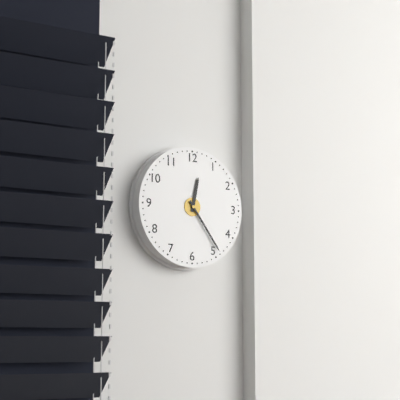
h=12 m=24
